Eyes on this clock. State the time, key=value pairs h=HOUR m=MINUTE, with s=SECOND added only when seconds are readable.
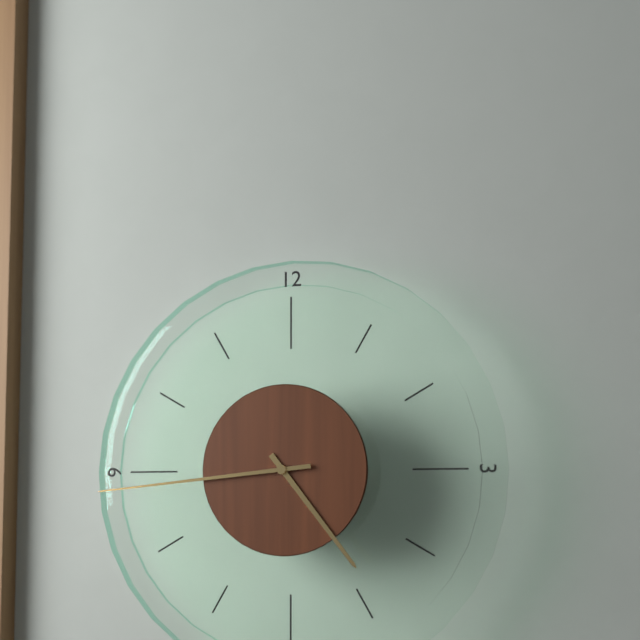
h=4 m=44
